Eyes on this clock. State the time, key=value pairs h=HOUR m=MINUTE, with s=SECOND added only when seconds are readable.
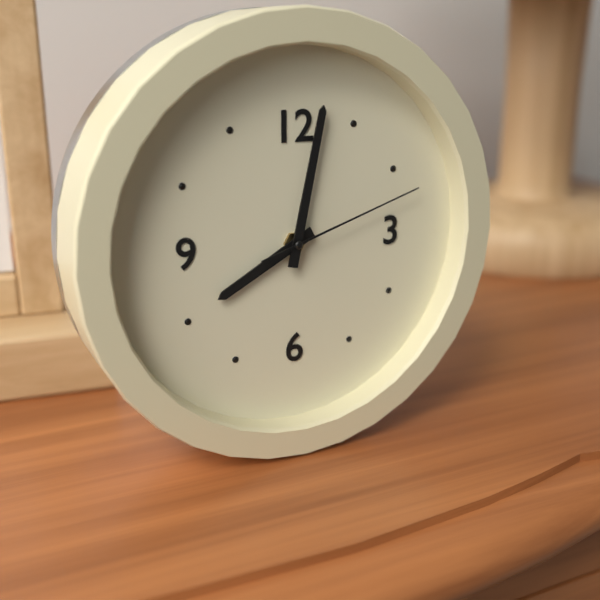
h=8 m=2 s=12
